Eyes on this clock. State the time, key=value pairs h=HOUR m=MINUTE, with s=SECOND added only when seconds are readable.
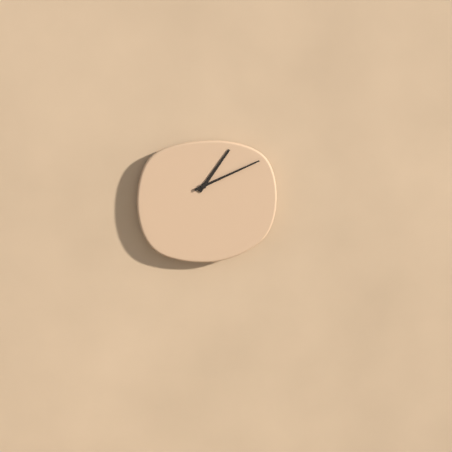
h=1 m=11
